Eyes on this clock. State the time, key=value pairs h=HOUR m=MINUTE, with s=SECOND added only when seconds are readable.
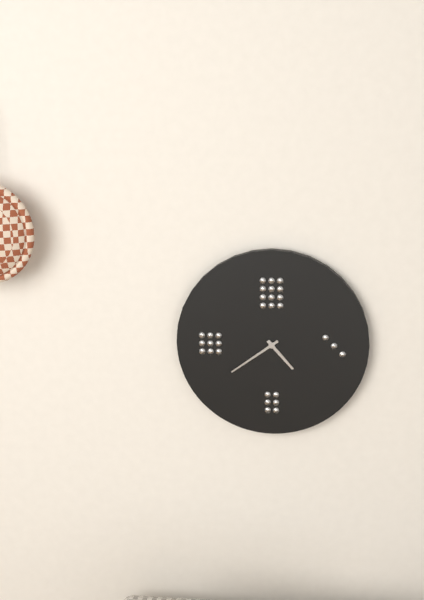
h=4 m=39
